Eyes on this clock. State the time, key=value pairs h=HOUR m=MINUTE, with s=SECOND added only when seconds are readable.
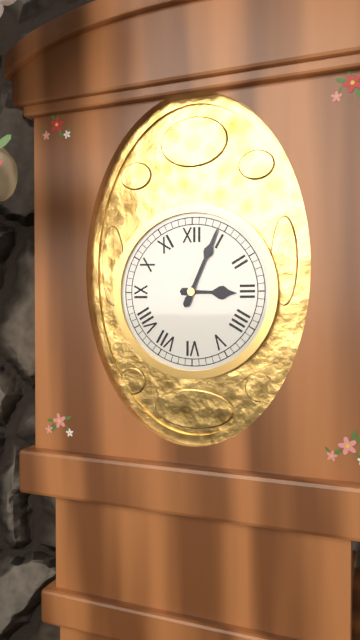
h=3 m=4
